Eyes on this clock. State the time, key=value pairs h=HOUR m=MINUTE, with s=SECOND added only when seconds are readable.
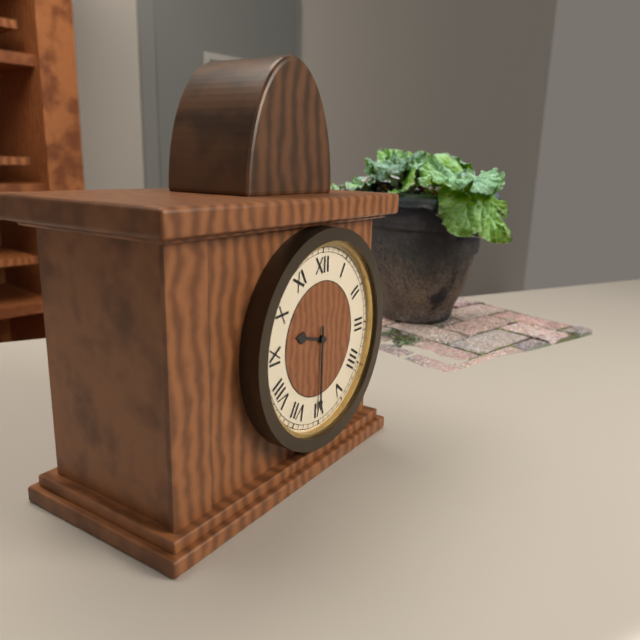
h=9 m=30
